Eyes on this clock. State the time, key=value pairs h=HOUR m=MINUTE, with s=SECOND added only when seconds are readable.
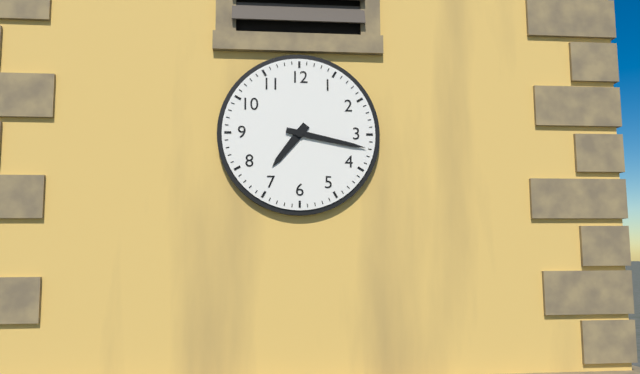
h=7 m=17
